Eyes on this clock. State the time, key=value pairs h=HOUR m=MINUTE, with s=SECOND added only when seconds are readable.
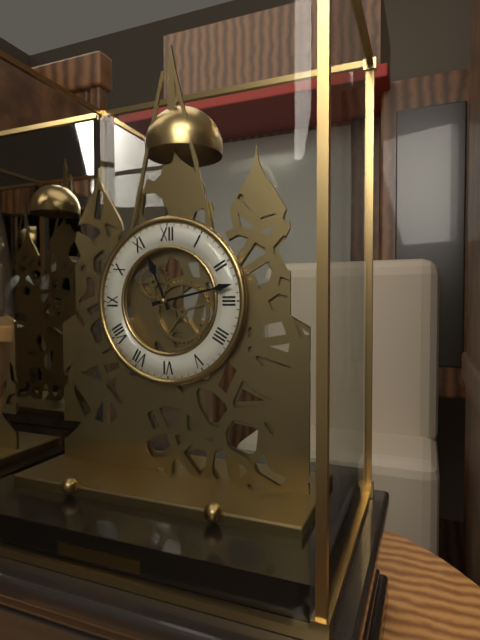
h=11 m=13
